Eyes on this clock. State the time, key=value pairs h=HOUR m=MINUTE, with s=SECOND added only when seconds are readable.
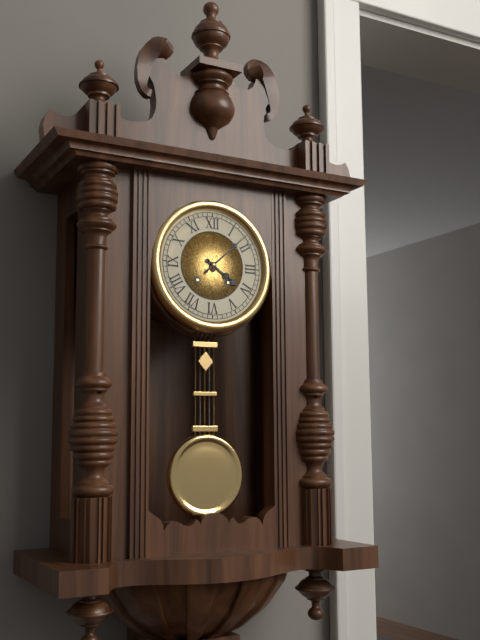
h=4 m=8
